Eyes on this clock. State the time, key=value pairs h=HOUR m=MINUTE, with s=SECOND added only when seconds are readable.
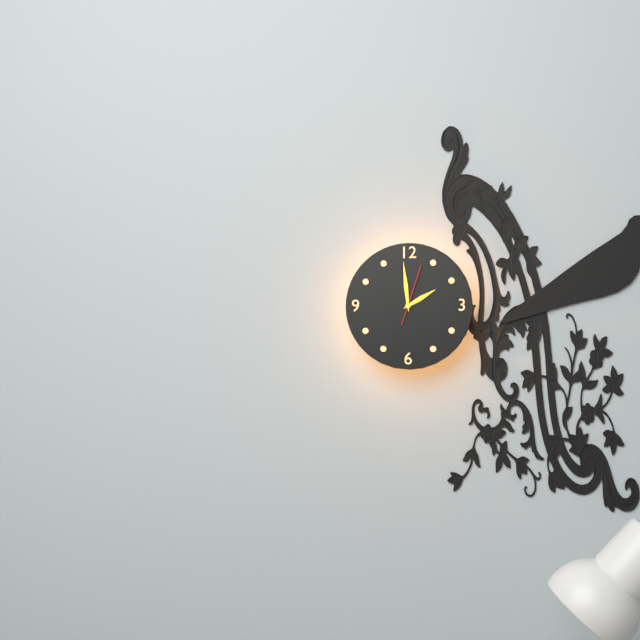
h=1 m=59 s=3
